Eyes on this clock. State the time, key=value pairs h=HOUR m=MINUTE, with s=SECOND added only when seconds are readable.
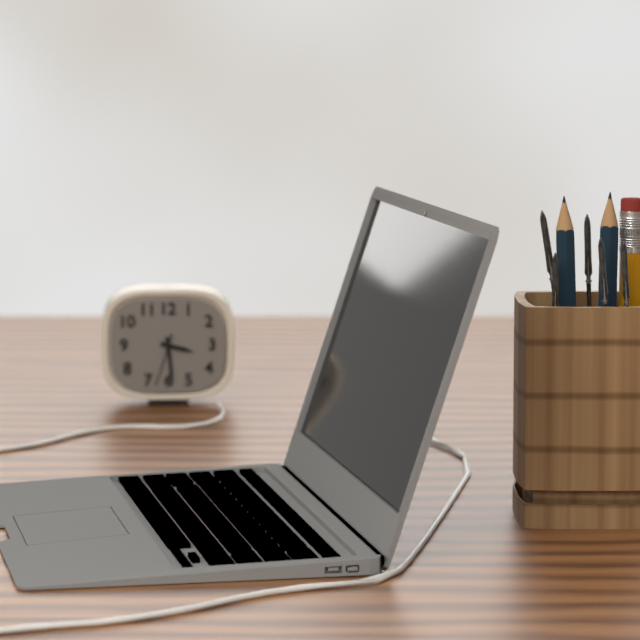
h=3 m=29 s=33
